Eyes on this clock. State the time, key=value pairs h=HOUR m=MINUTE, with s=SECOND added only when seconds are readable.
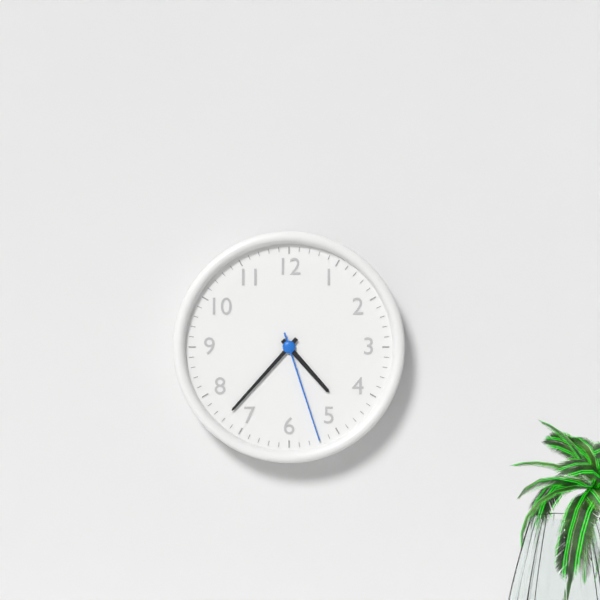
h=4 m=37 s=27
